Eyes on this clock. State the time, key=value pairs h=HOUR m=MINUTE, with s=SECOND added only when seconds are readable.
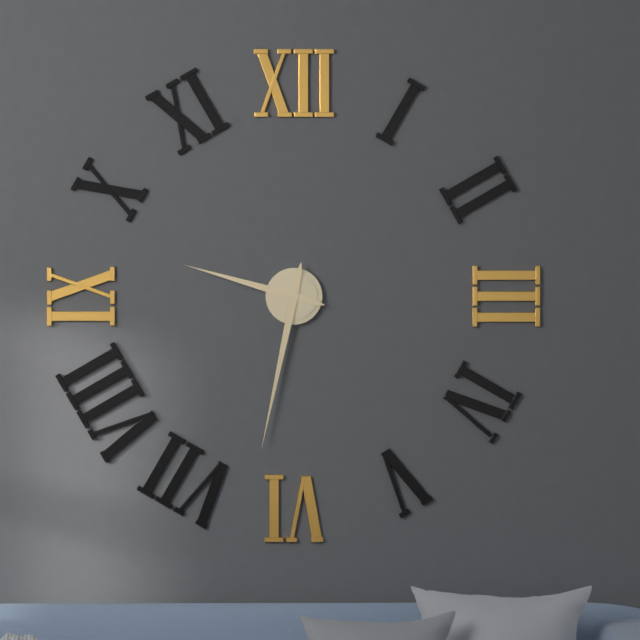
h=9 m=32
